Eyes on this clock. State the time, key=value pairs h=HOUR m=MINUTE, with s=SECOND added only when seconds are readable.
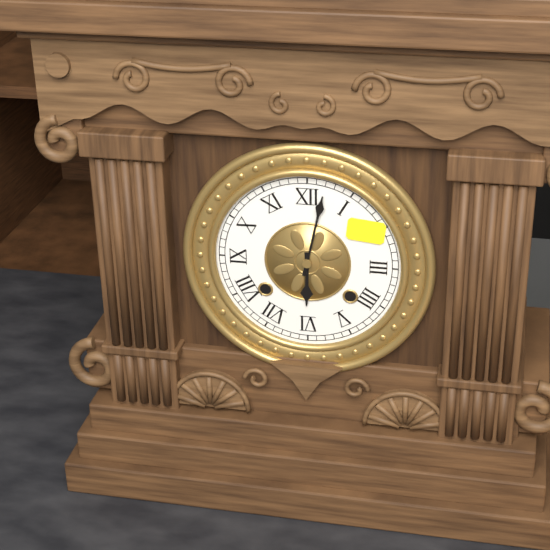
h=6 m=2
